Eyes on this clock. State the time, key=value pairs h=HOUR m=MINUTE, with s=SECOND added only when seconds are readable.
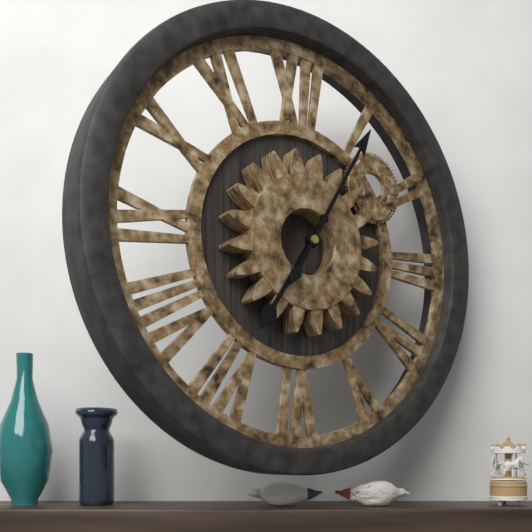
h=7 m=5
